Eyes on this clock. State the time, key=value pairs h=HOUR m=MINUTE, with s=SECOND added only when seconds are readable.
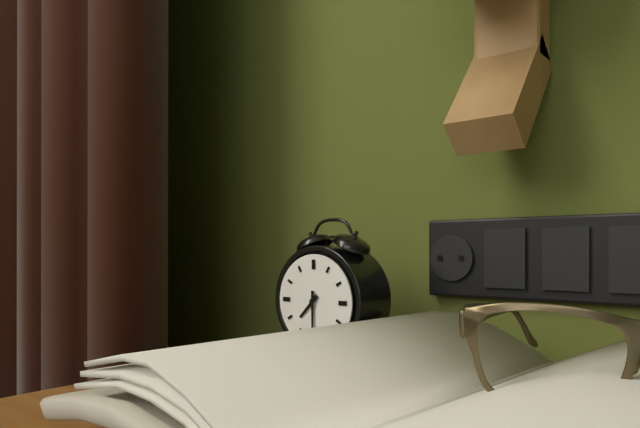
h=7 m=30
